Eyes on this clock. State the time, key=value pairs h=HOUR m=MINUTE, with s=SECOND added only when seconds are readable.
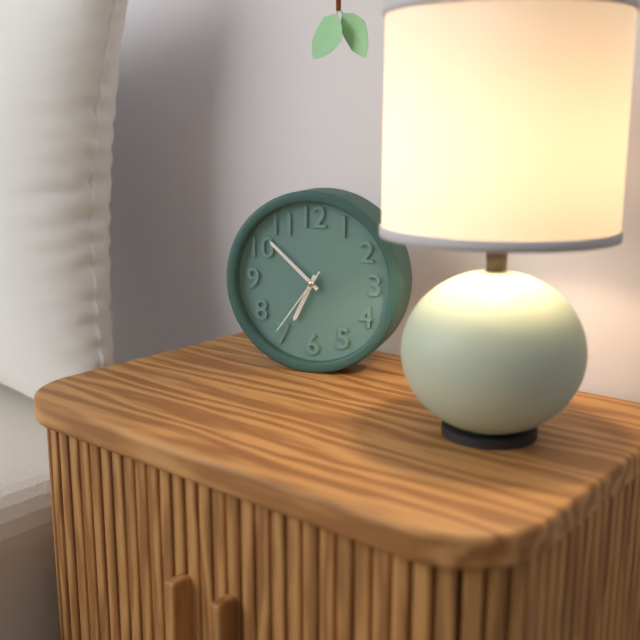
h=6 m=52 s=36
